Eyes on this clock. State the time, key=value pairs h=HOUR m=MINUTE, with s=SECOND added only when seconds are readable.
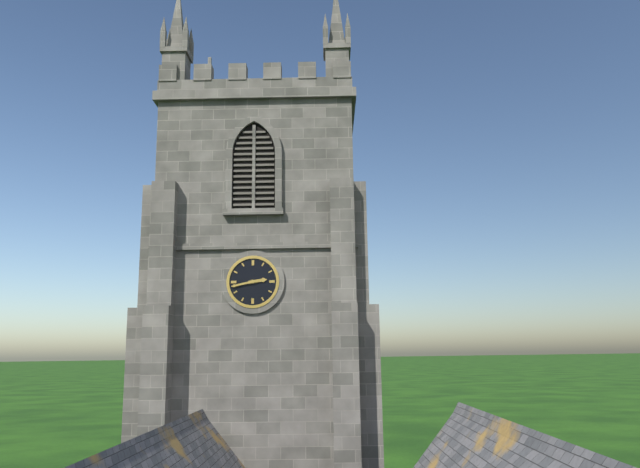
h=2 m=43
